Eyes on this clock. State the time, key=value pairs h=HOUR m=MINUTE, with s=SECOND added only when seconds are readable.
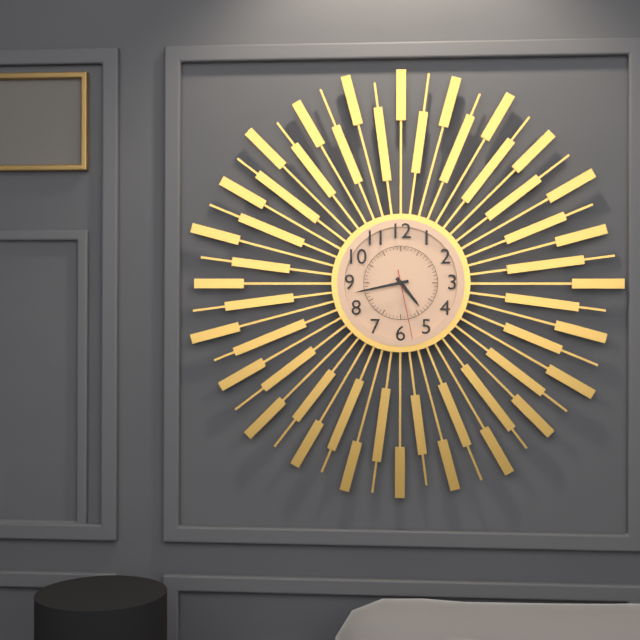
h=4 m=43 s=28
